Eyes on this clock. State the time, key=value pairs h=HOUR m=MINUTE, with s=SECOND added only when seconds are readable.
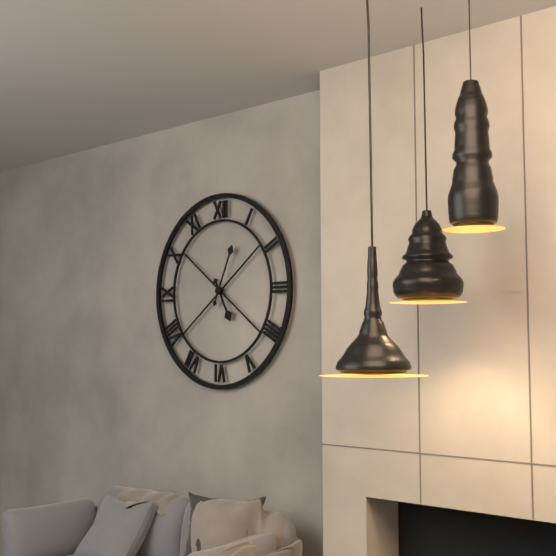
h=5 m=4
